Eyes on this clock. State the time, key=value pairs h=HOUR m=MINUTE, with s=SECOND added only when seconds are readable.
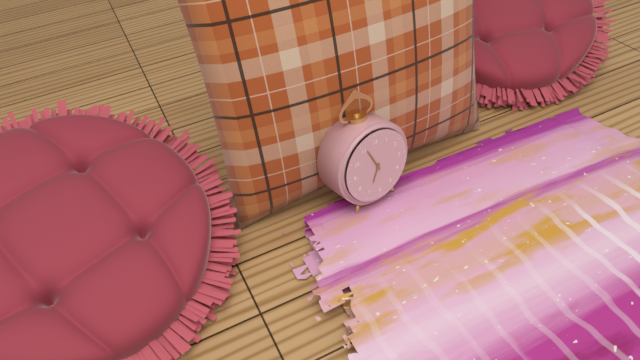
h=6 m=56
